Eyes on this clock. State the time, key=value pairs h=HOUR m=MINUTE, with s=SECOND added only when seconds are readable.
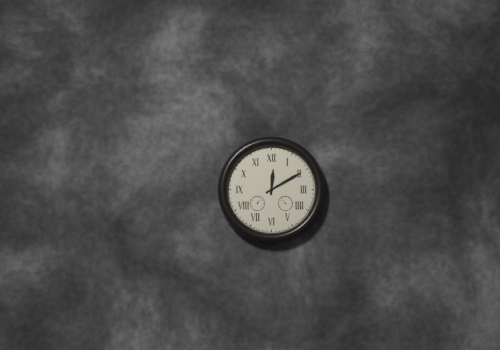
h=12 m=10
